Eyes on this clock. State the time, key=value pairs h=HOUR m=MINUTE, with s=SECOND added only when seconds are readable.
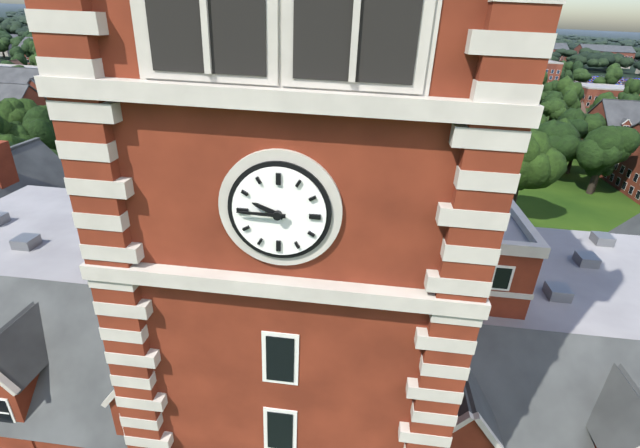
h=9 m=45
